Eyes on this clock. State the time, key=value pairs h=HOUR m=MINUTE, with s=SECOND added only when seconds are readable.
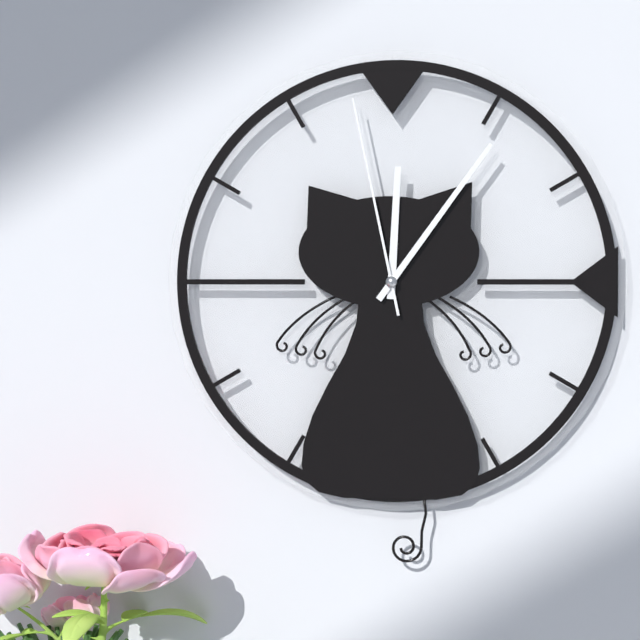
h=12 m=6 s=58
